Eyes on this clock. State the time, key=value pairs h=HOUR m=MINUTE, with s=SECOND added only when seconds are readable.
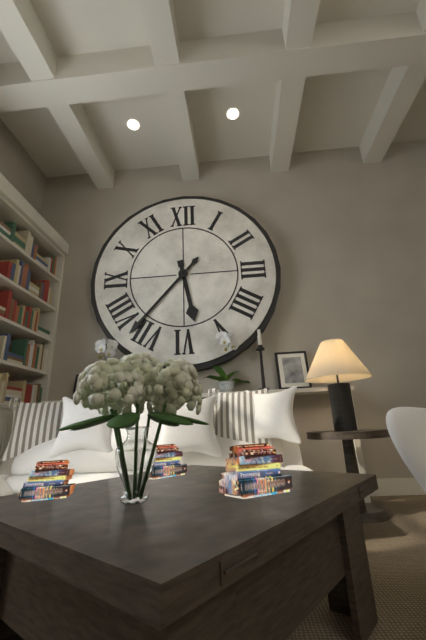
h=5 m=37
